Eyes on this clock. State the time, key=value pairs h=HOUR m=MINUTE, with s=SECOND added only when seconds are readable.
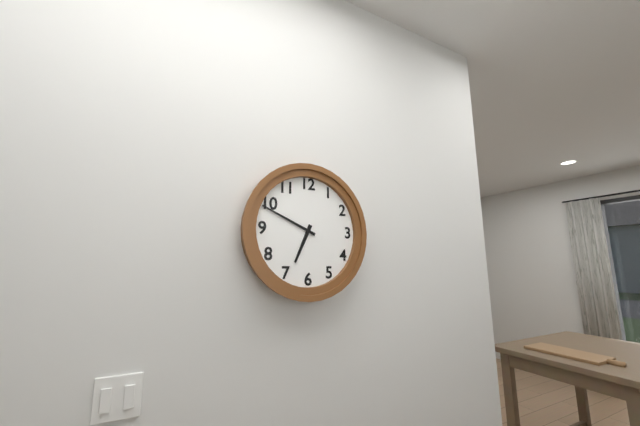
h=6 m=49
